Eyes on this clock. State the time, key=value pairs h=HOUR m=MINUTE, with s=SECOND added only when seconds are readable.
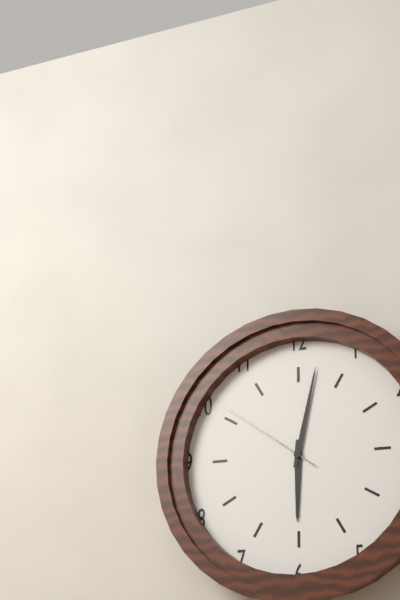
h=6 m=2 s=51
